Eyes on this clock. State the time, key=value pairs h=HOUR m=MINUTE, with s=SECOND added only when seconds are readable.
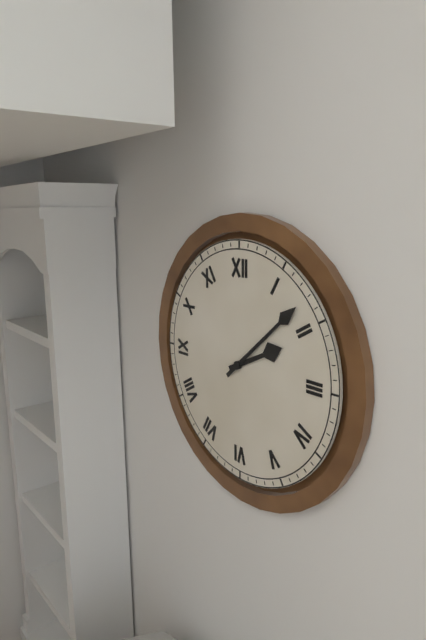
h=2 m=8
